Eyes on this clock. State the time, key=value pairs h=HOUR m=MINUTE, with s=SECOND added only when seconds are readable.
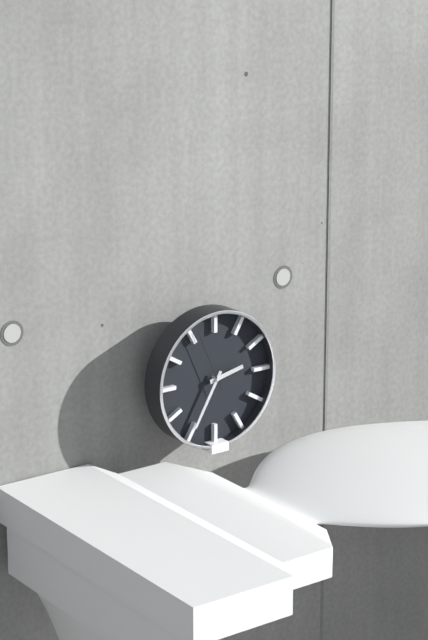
h=2 m=35 s=56
